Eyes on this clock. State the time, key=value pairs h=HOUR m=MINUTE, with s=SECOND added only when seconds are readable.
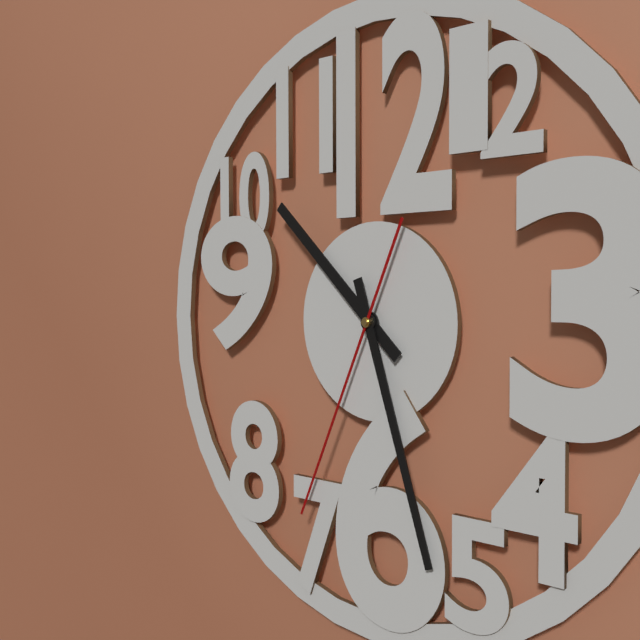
h=10 m=27 s=34
